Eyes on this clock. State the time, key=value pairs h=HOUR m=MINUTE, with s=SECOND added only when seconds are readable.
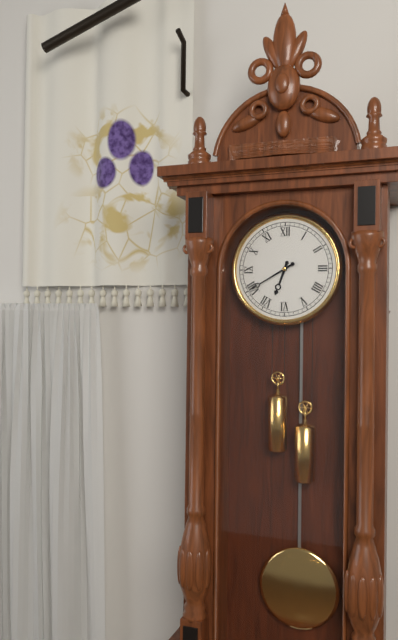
h=6 m=40
